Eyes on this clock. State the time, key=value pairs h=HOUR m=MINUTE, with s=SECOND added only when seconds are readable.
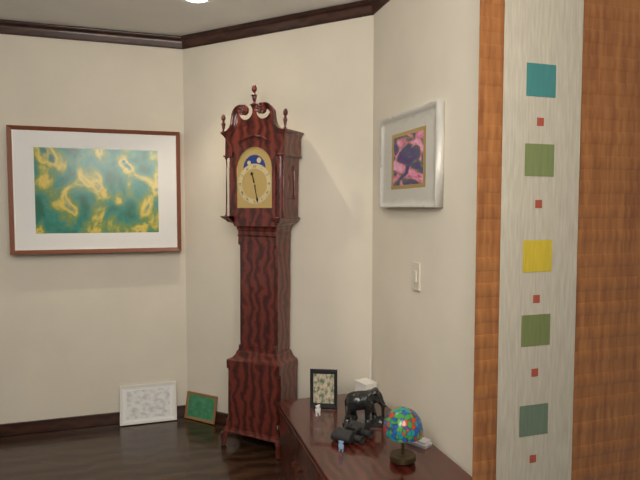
h=11 m=28
